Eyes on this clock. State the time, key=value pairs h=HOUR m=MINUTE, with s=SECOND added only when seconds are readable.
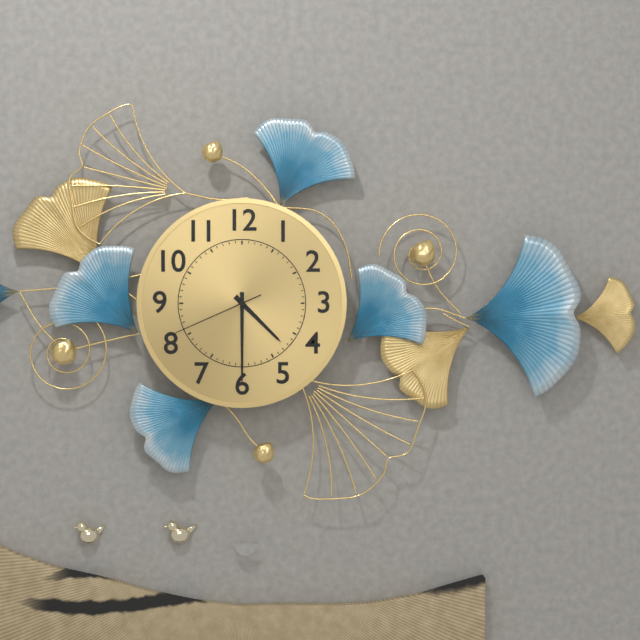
h=4 m=30 s=41
